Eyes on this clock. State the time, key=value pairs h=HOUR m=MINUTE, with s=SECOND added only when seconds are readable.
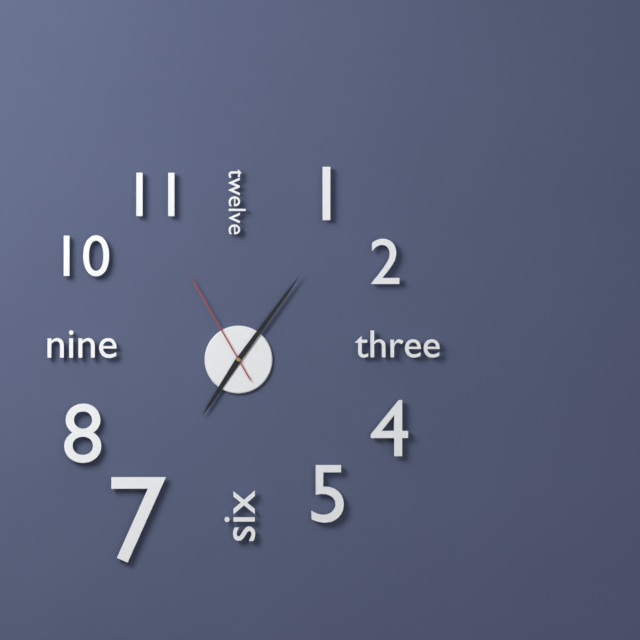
h=7 m=6 s=55
